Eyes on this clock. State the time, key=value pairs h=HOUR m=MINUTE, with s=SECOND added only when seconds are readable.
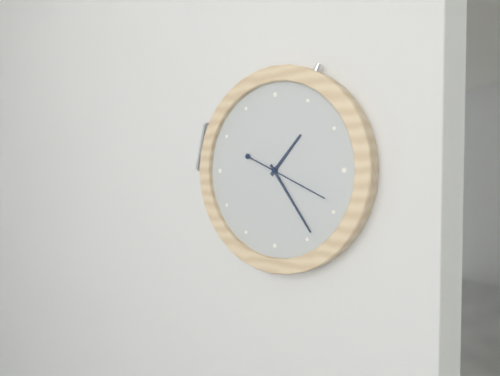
h=1 m=24 s=19
